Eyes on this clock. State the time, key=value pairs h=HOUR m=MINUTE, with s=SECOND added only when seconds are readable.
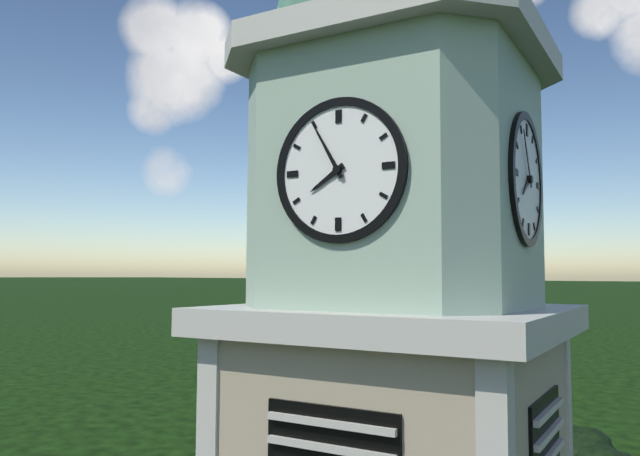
h=7 m=55
